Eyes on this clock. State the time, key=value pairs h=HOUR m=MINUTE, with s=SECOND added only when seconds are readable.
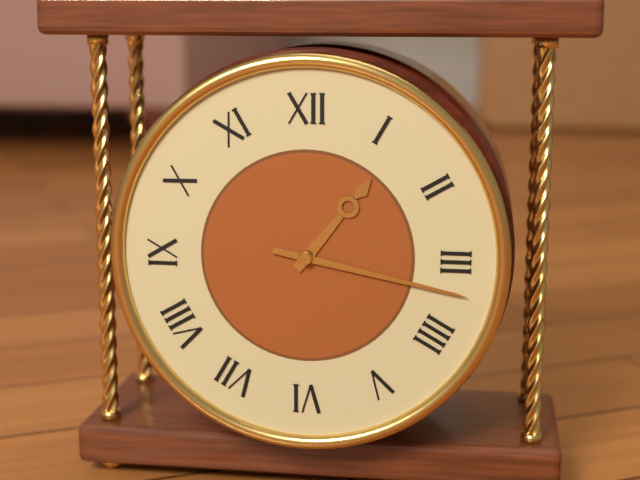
h=1 m=17
